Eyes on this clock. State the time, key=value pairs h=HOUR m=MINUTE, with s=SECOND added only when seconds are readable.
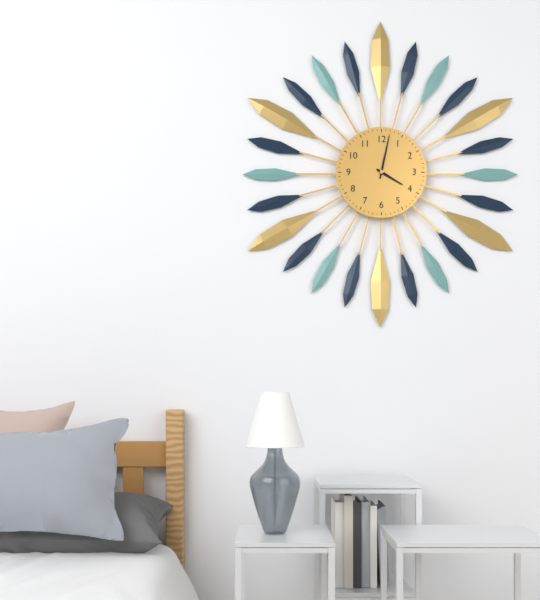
h=4 m=2
